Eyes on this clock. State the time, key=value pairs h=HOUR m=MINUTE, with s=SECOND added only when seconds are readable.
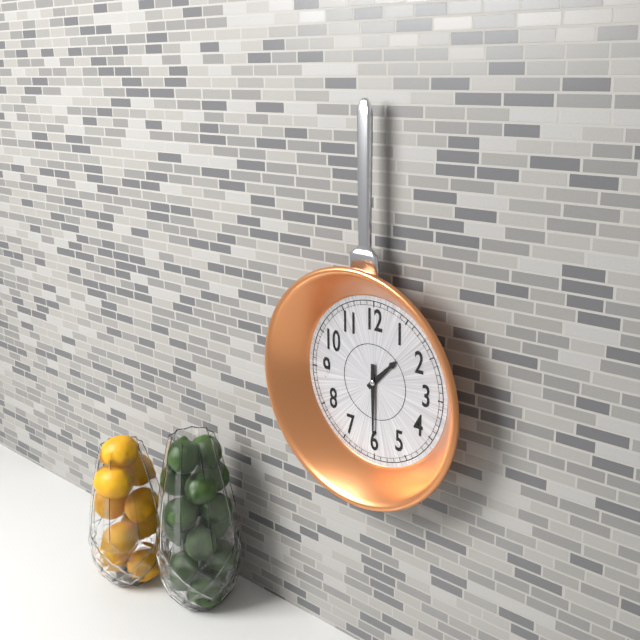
h=1 m=30
